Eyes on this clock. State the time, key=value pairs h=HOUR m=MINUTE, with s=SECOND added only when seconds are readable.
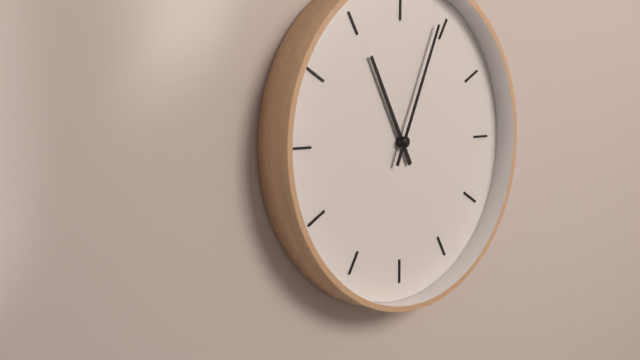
h=11 m=4
